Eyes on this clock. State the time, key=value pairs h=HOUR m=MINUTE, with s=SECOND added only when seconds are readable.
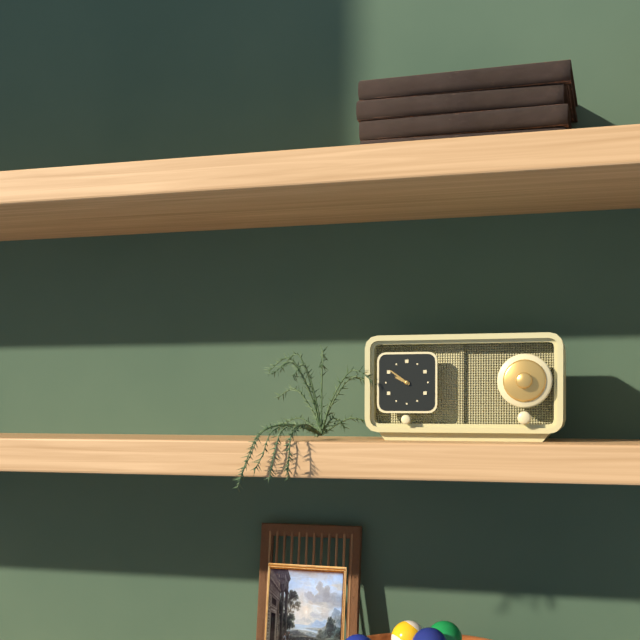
h=9 m=51
